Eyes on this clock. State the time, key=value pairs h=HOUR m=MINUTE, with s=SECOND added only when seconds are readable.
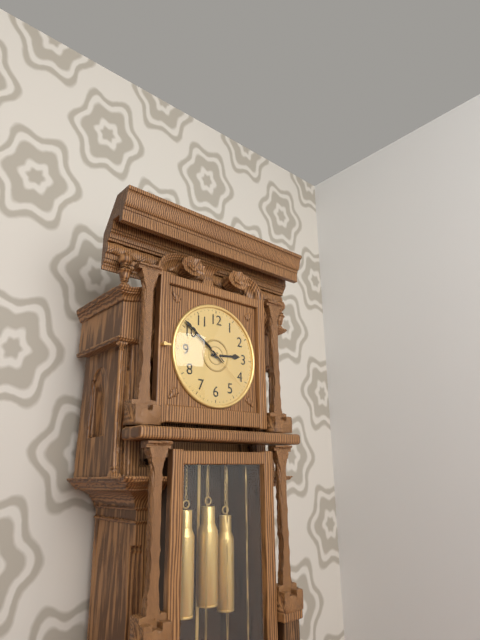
h=2 m=51
